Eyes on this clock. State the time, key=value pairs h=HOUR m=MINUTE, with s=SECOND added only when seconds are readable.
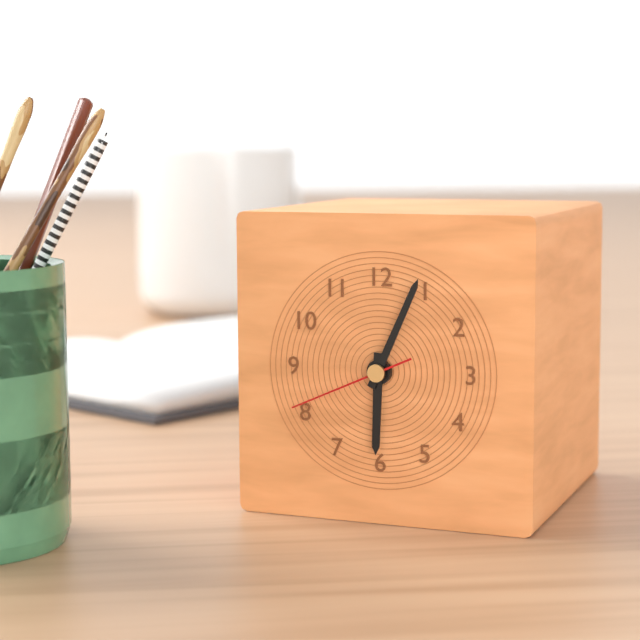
h=6 m=4 s=41
